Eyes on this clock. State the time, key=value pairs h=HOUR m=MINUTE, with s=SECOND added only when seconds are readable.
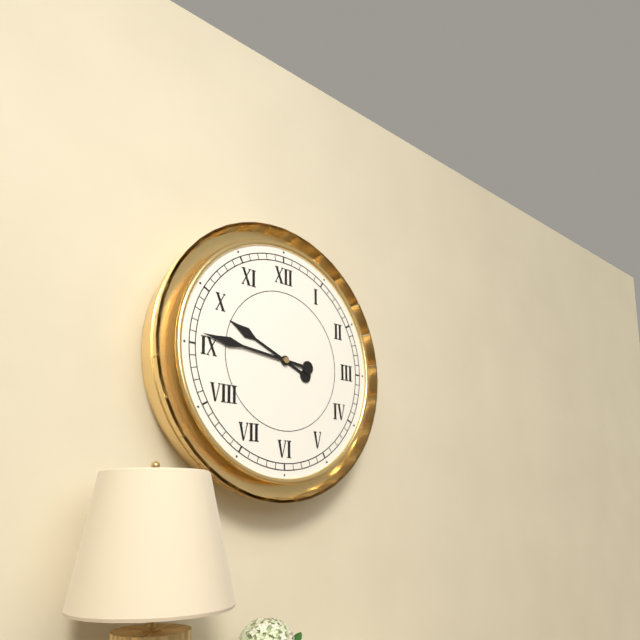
h=9 m=46
